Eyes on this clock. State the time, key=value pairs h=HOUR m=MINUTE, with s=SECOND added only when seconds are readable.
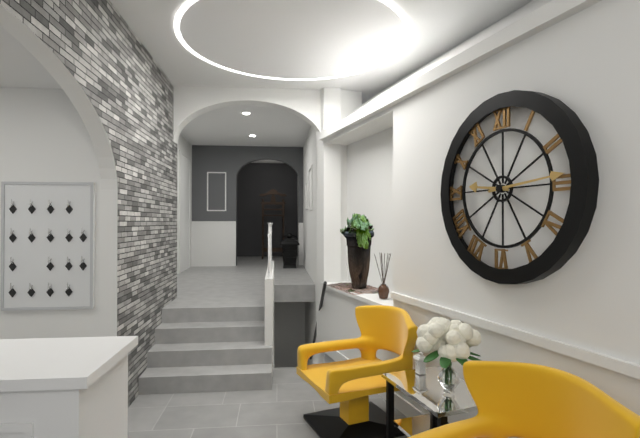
h=9 m=14
